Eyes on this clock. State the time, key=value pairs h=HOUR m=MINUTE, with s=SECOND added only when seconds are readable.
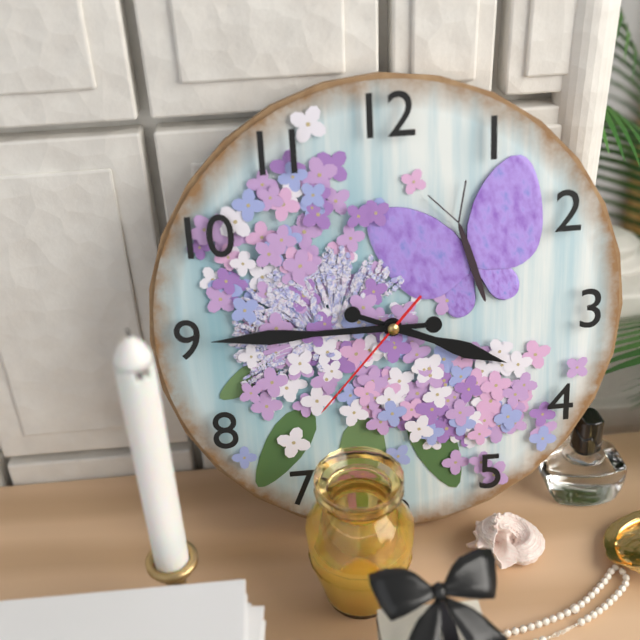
h=3 m=45 s=37
